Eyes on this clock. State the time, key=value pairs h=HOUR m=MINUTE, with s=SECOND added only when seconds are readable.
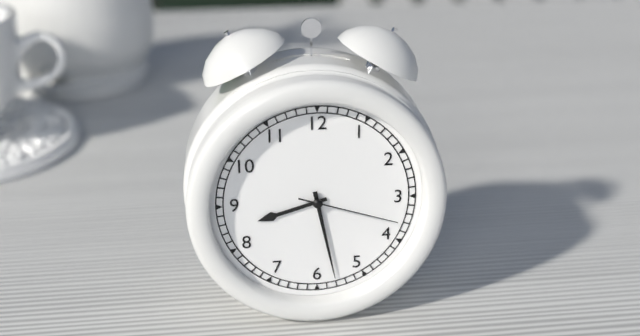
h=8 m=28 s=18
